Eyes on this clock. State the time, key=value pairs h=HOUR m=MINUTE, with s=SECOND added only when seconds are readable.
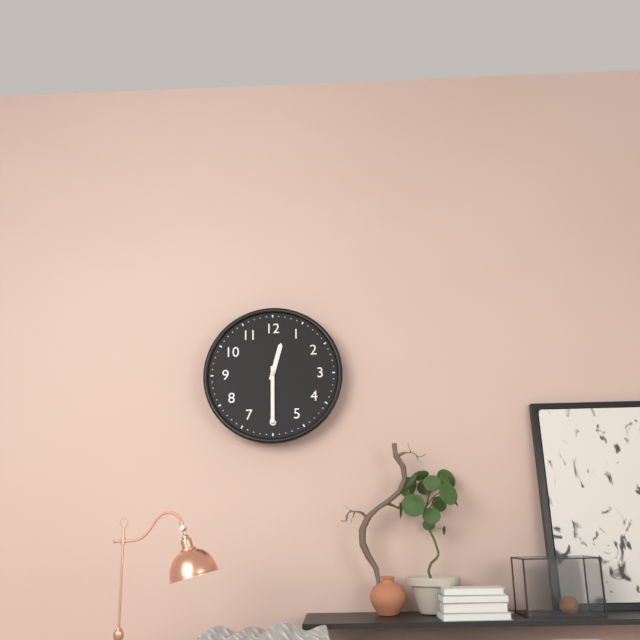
h=12 m=30
